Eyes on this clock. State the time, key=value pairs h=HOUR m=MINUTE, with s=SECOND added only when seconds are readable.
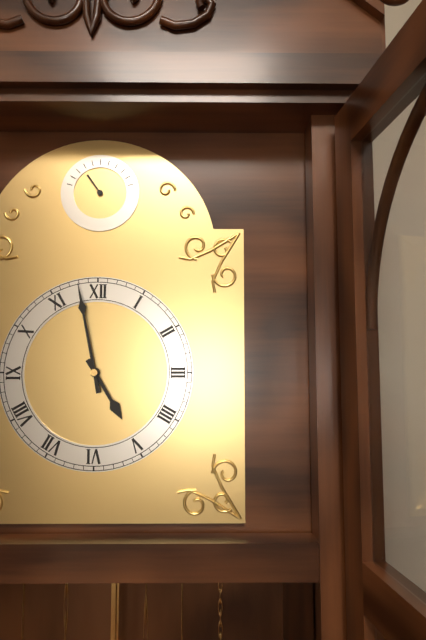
h=4 m=58
